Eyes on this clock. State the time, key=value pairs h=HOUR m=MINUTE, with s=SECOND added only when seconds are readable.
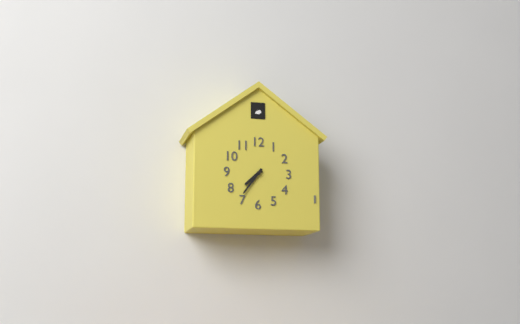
h=7 m=36
